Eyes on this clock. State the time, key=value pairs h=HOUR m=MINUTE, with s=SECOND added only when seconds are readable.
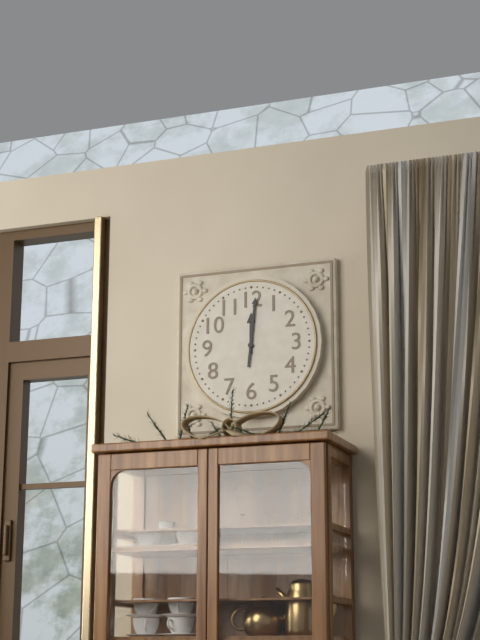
h=12 m=1
